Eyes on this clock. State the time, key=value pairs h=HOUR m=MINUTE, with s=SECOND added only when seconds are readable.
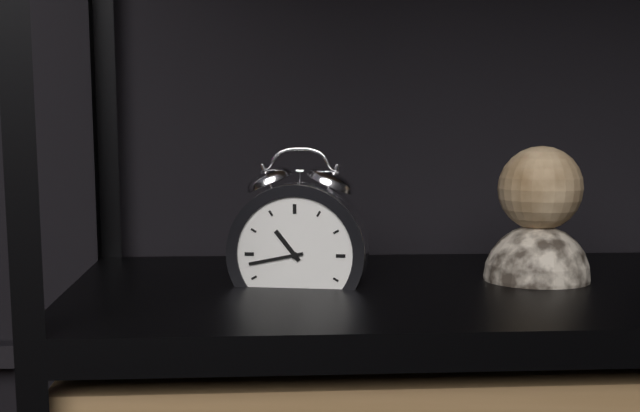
h=10 m=43
